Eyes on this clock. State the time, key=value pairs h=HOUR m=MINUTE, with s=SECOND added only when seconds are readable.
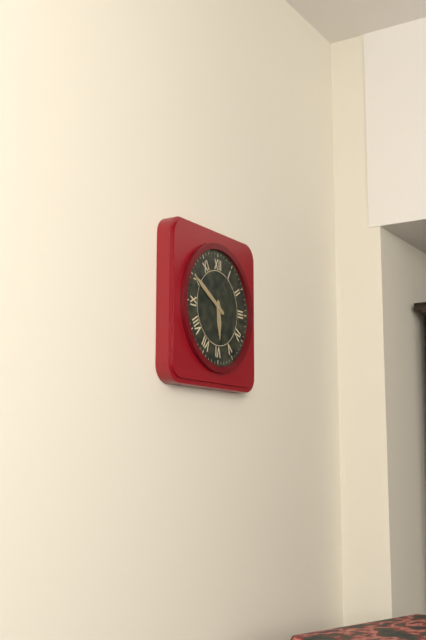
h=5 m=50
